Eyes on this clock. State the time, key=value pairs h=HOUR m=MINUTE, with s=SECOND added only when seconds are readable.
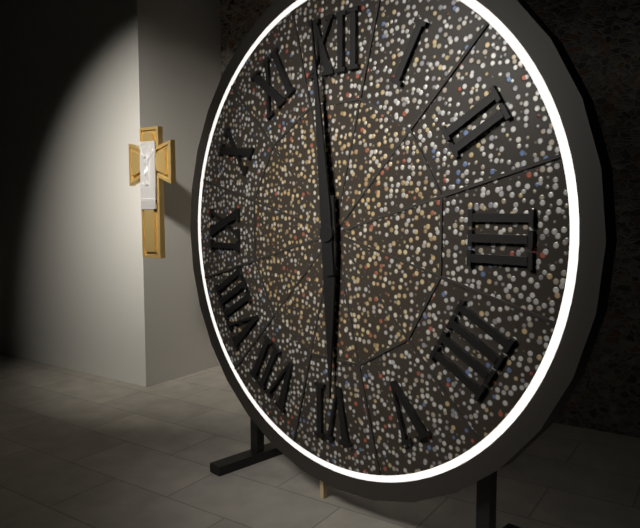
h=5 m=59
